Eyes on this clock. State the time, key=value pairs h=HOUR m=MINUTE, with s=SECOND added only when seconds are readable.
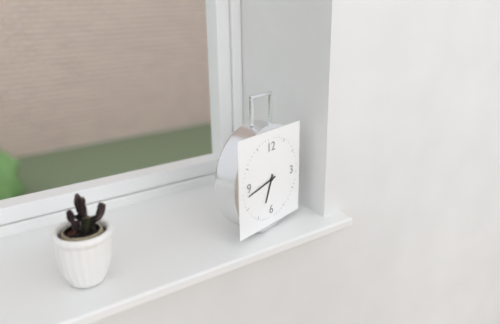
h=6 m=43
